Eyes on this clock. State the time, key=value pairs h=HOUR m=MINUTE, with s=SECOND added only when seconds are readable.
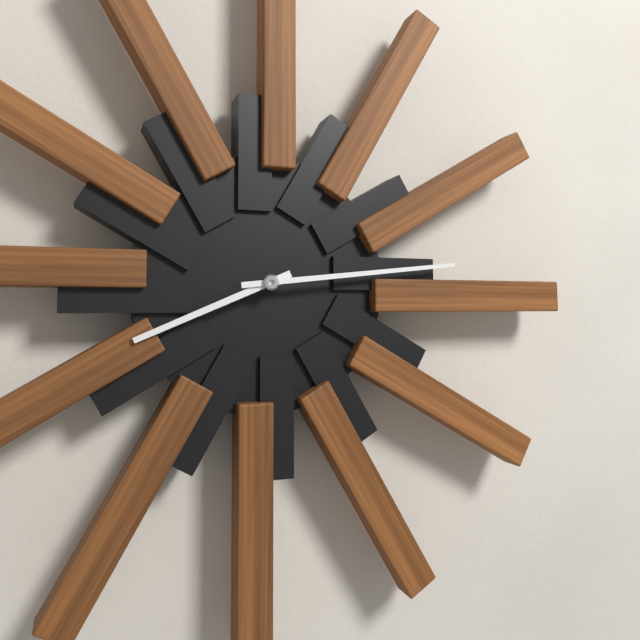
h=8 m=14
